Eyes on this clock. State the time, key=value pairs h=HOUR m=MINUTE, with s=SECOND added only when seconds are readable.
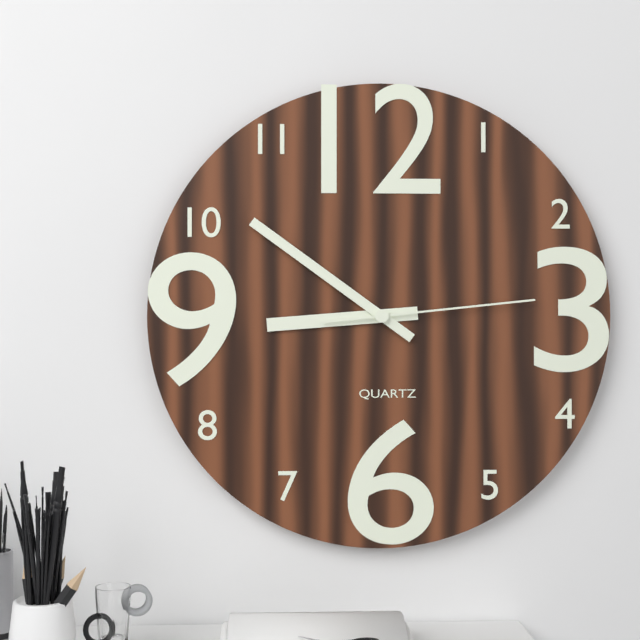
h=8 m=51 s=14
